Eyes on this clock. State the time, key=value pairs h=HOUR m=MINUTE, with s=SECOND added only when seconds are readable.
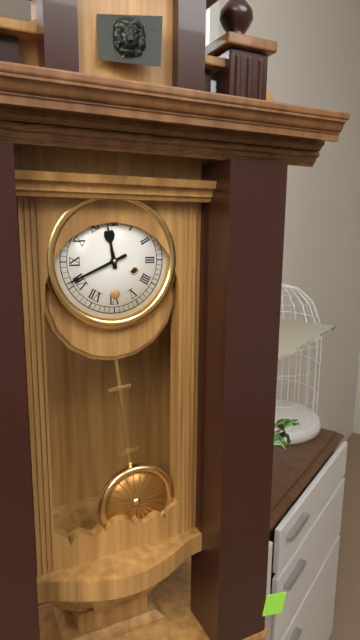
h=11 m=41
